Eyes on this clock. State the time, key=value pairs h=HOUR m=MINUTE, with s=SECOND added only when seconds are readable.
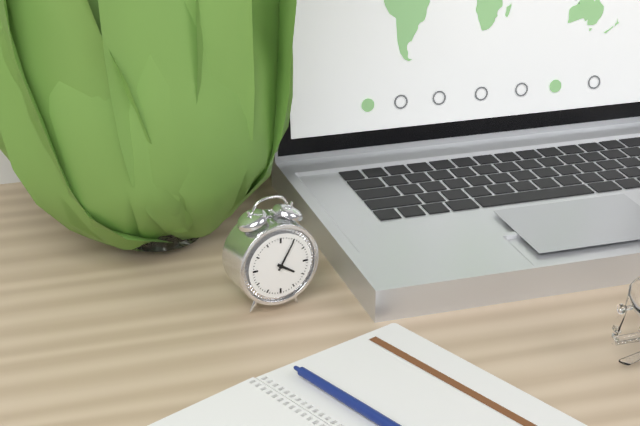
h=4 m=5
